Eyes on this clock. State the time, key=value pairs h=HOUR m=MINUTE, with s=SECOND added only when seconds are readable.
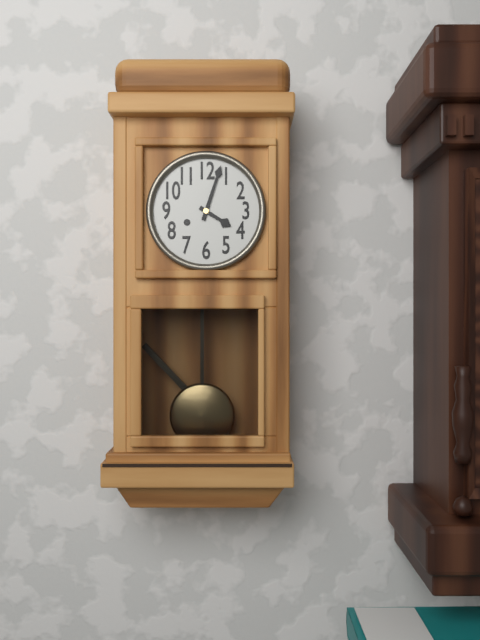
h=4 m=3
